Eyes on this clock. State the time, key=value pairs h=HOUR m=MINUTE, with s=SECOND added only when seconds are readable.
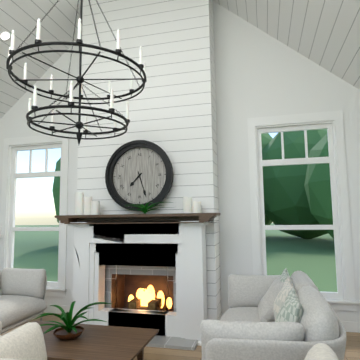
h=7 m=27
